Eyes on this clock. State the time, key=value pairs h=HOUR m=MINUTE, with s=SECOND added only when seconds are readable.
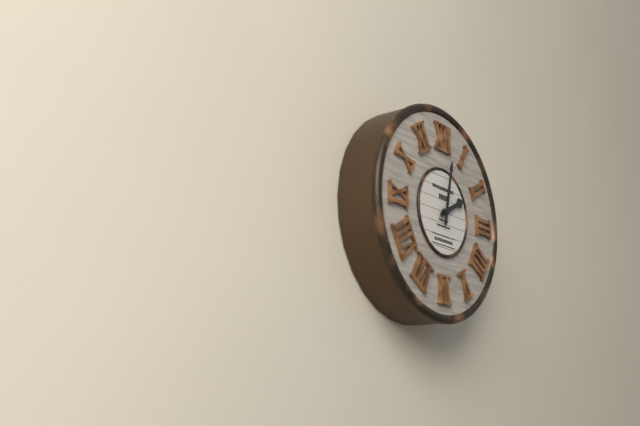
h=2 m=2
